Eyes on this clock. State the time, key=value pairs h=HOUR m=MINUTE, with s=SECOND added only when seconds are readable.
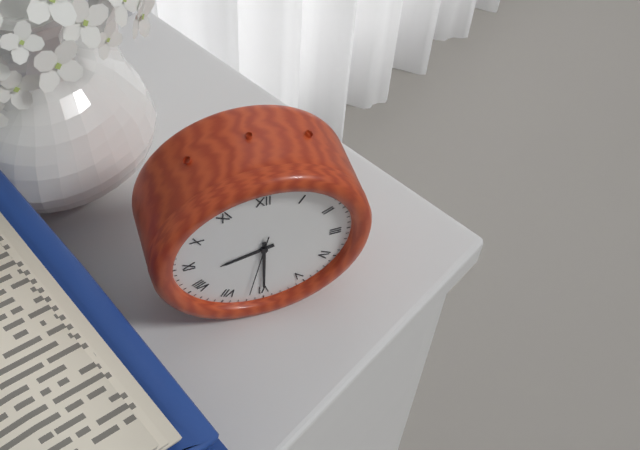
h=8 m=30 s=32
